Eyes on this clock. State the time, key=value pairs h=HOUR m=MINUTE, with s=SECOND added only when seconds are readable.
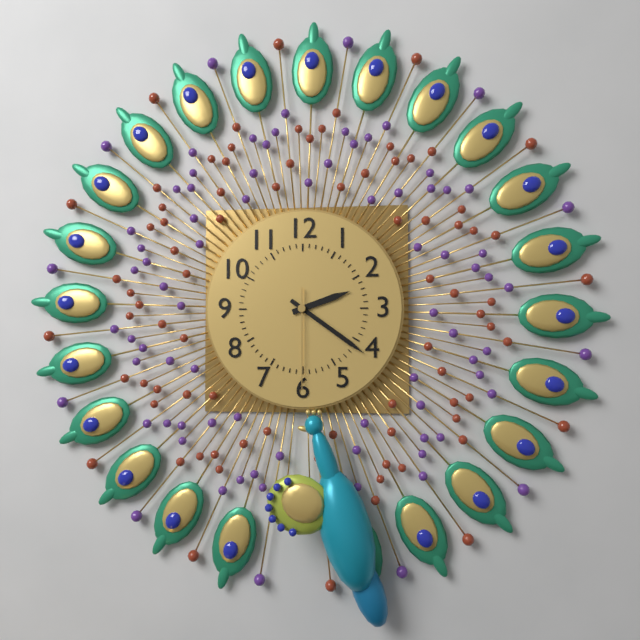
h=2 m=21 s=30
